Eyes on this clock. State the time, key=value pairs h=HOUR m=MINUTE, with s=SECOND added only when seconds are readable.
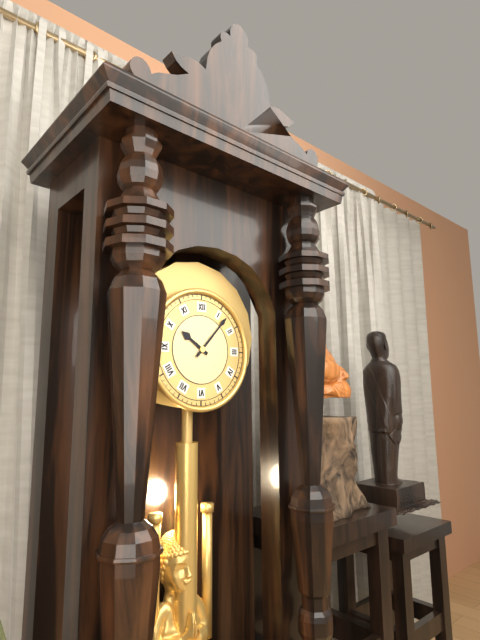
h=10 m=7
